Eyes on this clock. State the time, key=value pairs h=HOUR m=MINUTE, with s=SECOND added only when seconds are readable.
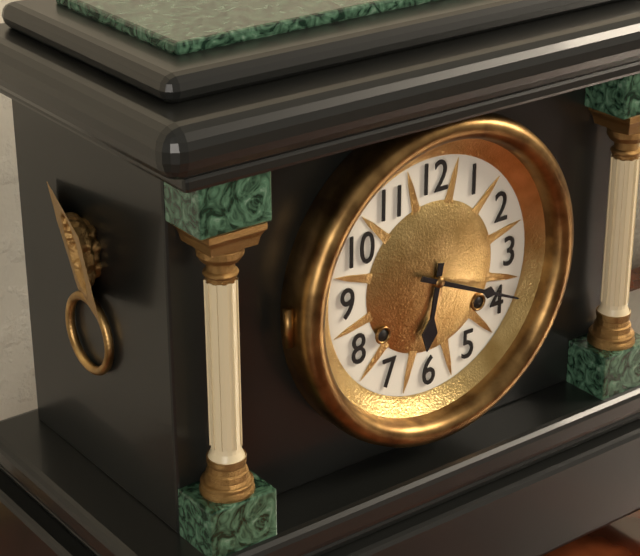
h=6 m=19
